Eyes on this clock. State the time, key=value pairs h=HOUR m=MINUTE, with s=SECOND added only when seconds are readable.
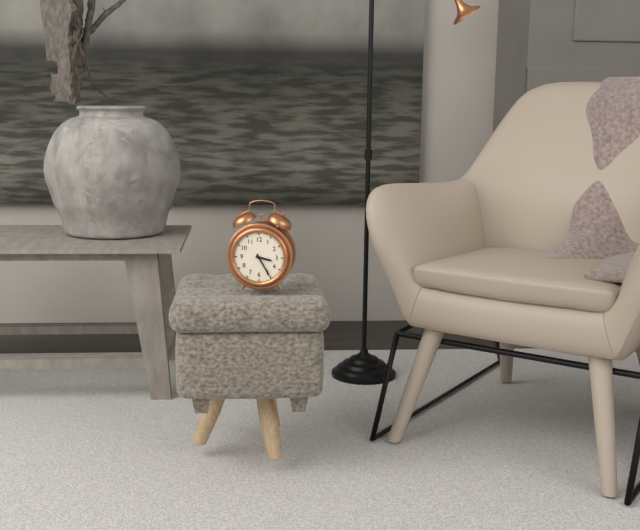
h=3 m=25
